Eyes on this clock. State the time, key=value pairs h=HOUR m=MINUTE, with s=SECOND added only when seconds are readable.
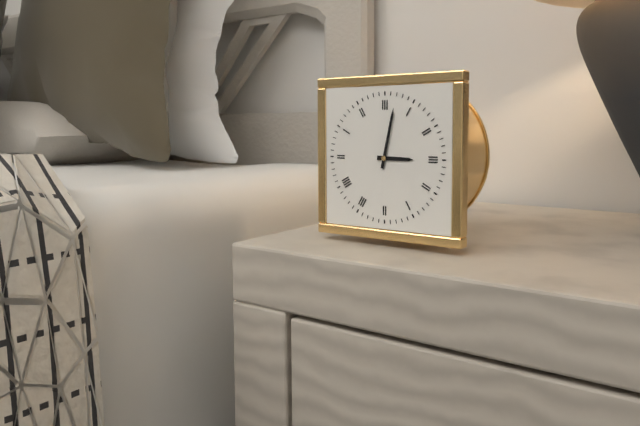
h=3 m=2
